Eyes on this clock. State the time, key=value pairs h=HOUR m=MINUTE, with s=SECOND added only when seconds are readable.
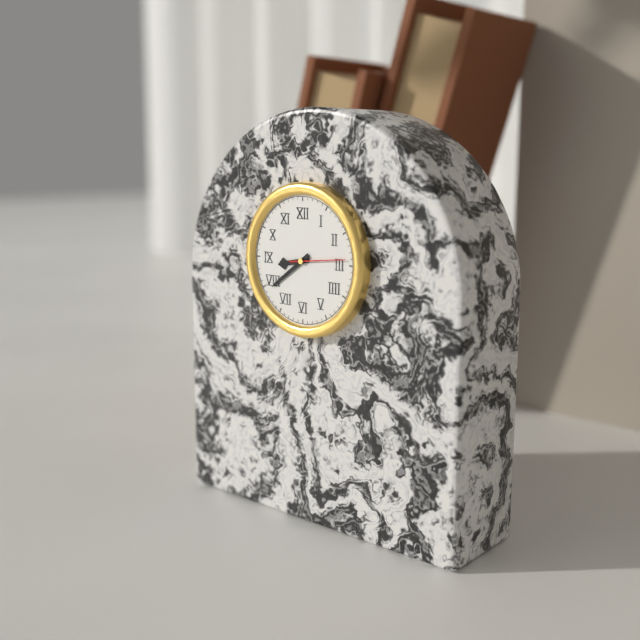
h=8 m=39 s=14
